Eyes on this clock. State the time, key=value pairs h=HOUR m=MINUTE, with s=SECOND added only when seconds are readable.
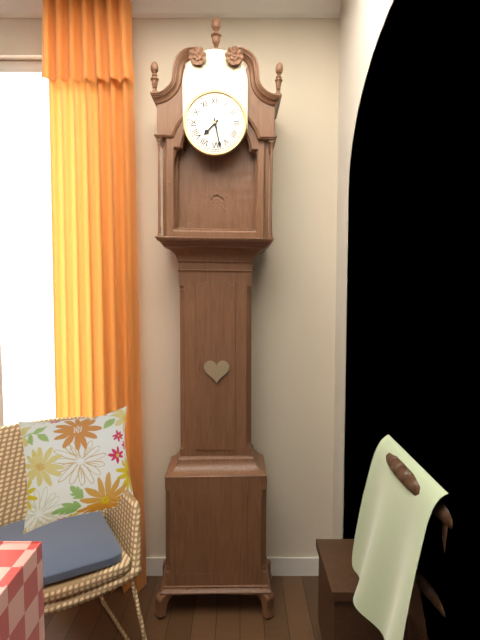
h=7 m=28
